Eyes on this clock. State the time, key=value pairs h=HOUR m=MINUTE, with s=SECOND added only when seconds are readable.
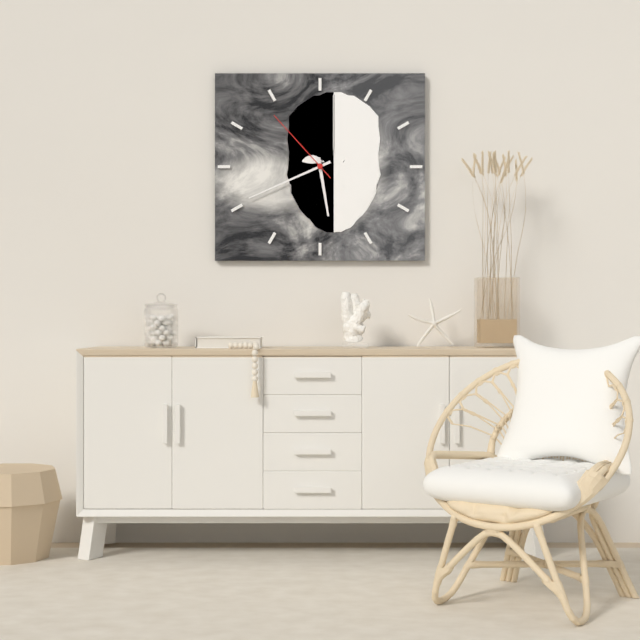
h=5 m=41 s=53
